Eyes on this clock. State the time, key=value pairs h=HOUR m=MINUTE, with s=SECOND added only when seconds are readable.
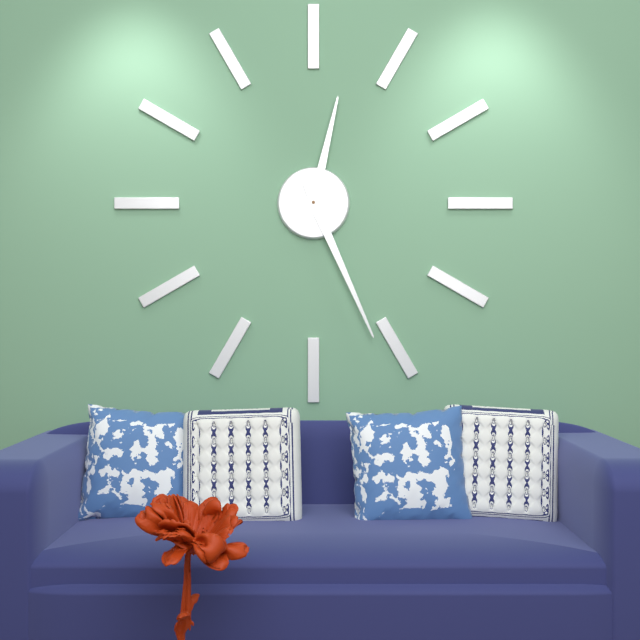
h=12 m=26
